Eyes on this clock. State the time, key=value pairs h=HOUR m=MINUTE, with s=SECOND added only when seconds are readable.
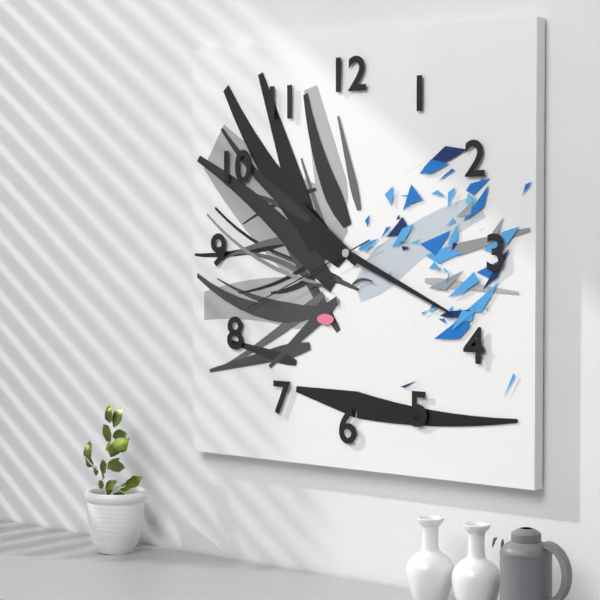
h=10 m=19 s=41
